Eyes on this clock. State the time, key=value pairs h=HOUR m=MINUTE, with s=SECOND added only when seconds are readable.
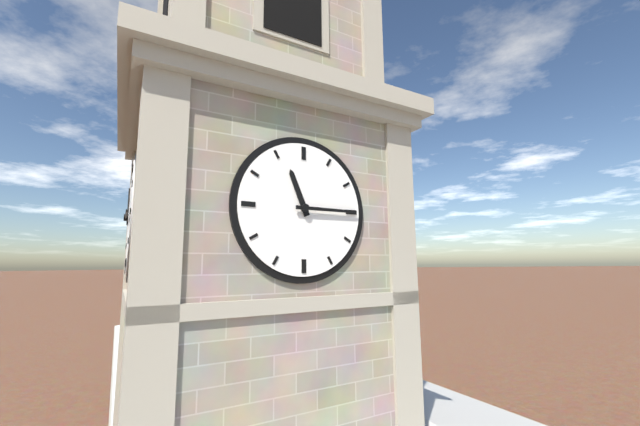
h=11 m=15
